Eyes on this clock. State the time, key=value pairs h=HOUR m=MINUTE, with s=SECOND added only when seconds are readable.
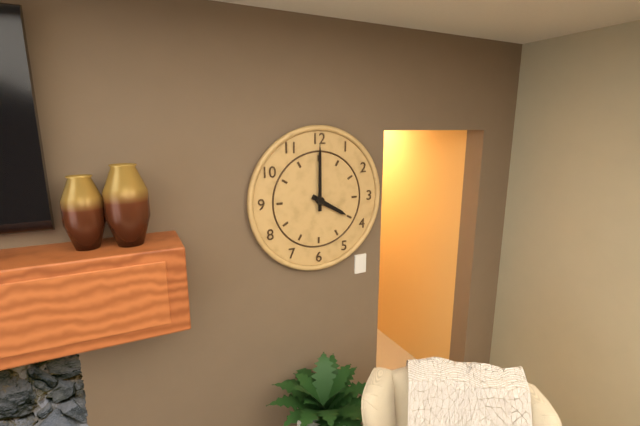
h=4 m=0
